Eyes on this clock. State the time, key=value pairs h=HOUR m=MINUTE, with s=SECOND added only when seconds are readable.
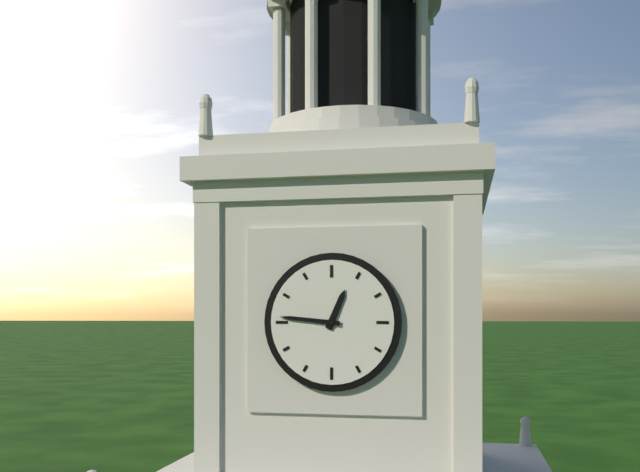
h=12 m=46
